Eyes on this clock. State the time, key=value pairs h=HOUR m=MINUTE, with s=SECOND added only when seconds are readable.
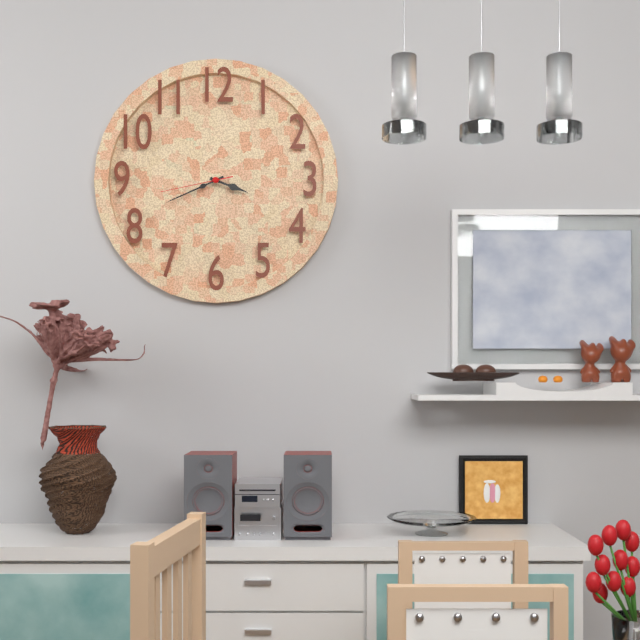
h=3 m=41 s=43
